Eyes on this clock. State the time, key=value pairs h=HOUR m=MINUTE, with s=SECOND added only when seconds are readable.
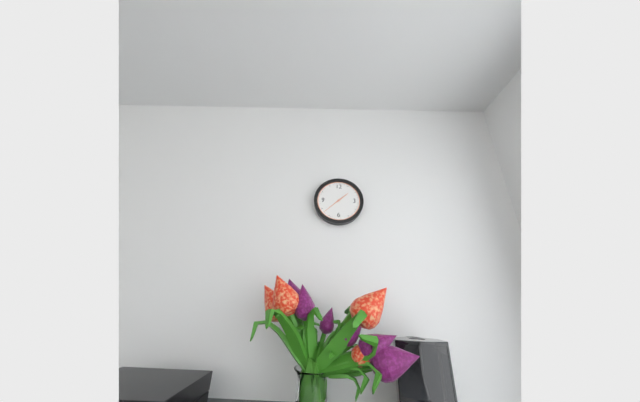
h=1 m=38
